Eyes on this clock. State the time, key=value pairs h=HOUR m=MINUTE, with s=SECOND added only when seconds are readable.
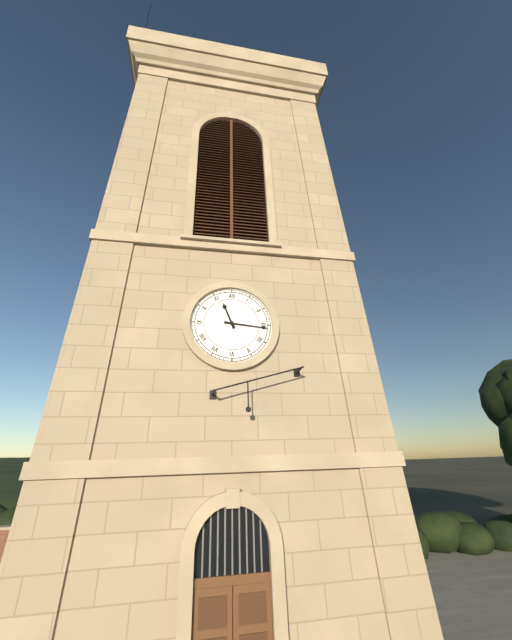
h=11 m=16
